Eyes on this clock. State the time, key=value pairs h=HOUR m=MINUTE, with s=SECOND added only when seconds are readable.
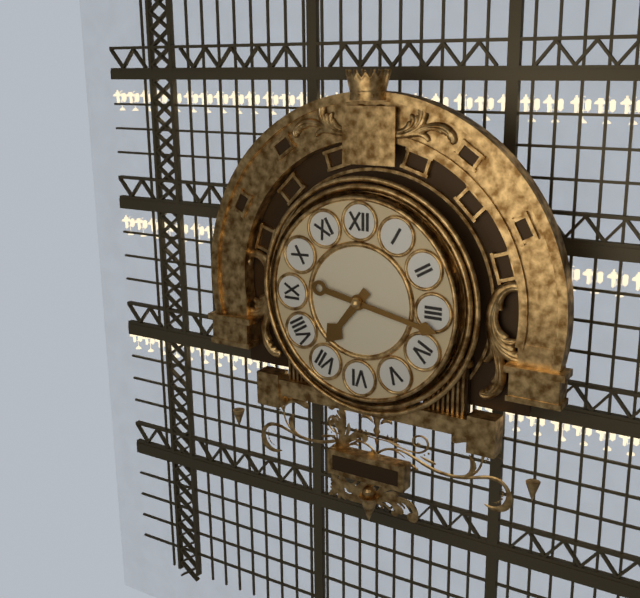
h=7 m=17
